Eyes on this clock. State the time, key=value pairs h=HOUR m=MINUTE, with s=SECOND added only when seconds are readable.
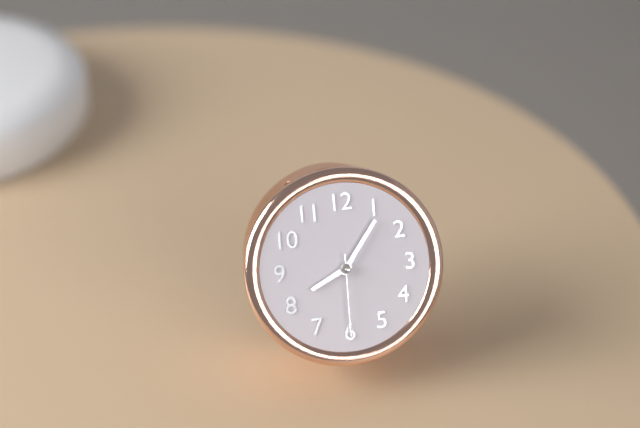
h=8 m=6 s=30
